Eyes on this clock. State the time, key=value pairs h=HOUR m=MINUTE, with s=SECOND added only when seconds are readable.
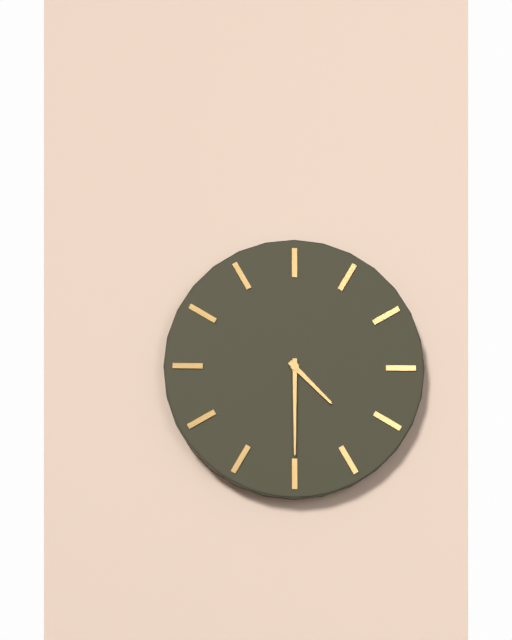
h=4 m=30
